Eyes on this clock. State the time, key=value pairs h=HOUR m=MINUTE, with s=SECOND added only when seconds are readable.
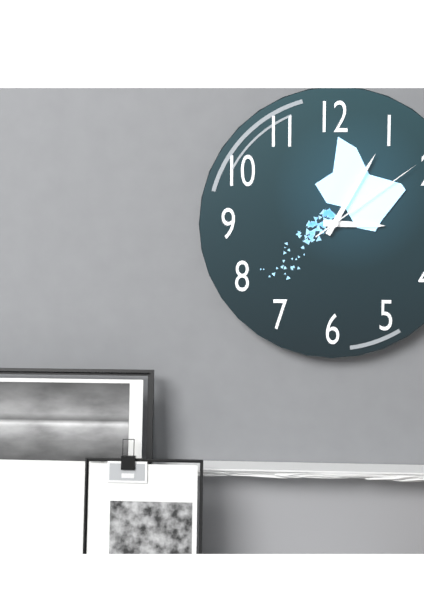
h=3 m=5 s=9
